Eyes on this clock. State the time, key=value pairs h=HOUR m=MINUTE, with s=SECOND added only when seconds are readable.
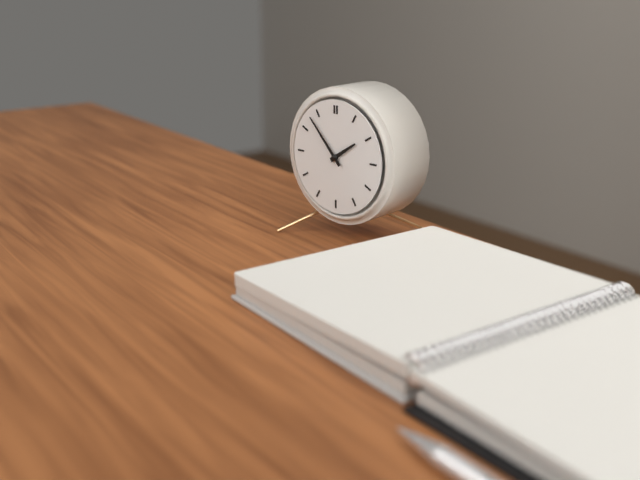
h=1 m=53
